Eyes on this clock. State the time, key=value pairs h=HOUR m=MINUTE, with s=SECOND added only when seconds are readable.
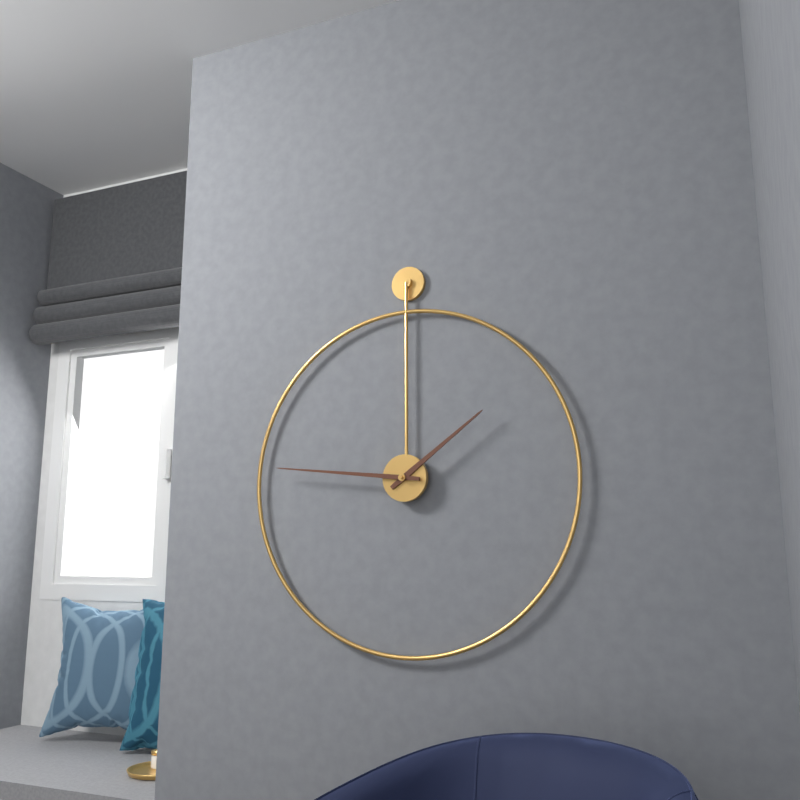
h=1 m=46
